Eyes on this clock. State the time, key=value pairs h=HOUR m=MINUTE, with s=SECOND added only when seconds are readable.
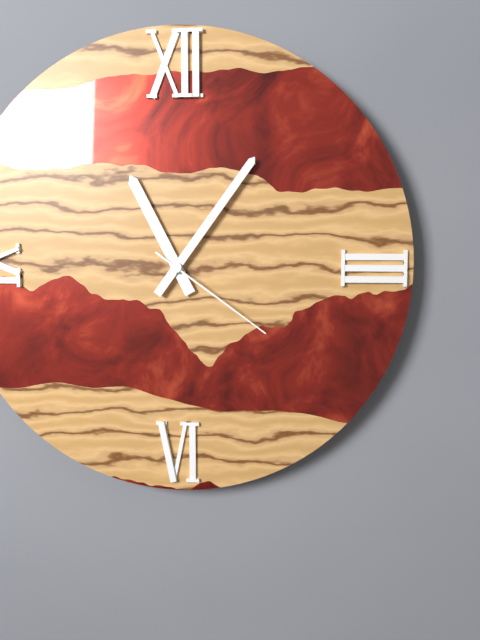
h=11 m=6 s=21
